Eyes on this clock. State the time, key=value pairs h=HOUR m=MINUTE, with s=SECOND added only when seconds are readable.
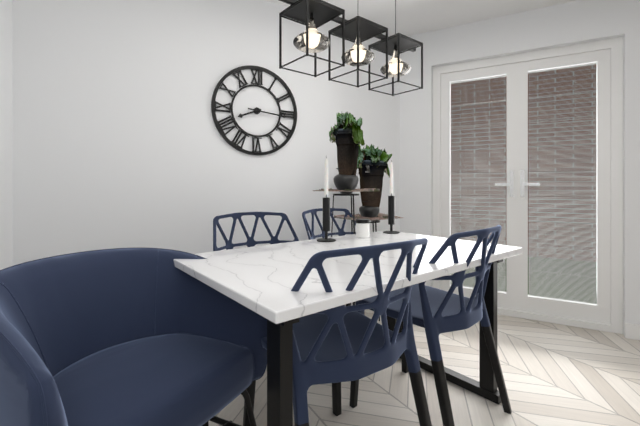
h=8 m=16
